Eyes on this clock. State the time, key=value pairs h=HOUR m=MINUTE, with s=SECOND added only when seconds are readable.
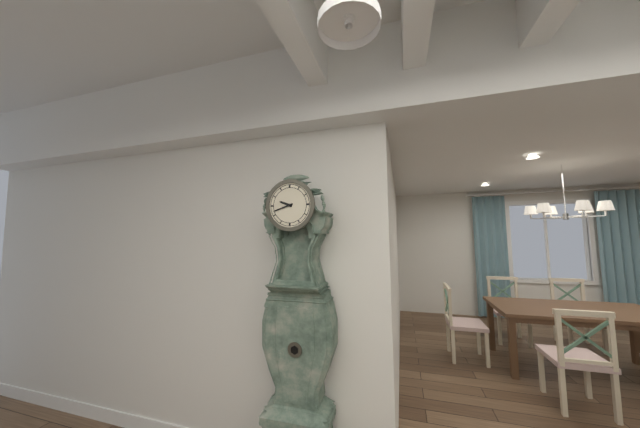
h=9 m=42
